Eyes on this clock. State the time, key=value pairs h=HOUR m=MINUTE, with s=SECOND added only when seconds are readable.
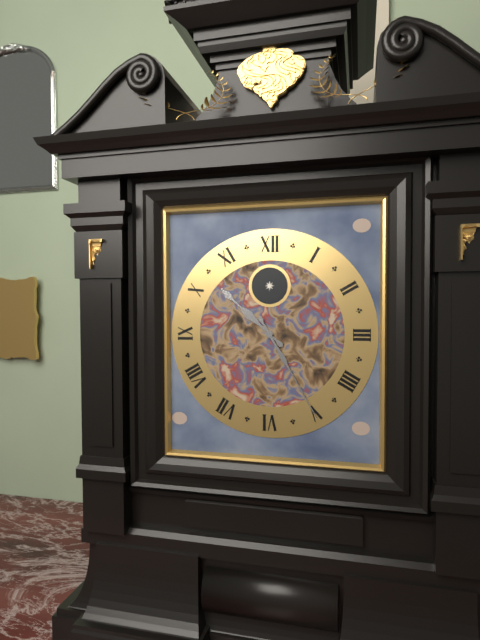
h=10 m=25
